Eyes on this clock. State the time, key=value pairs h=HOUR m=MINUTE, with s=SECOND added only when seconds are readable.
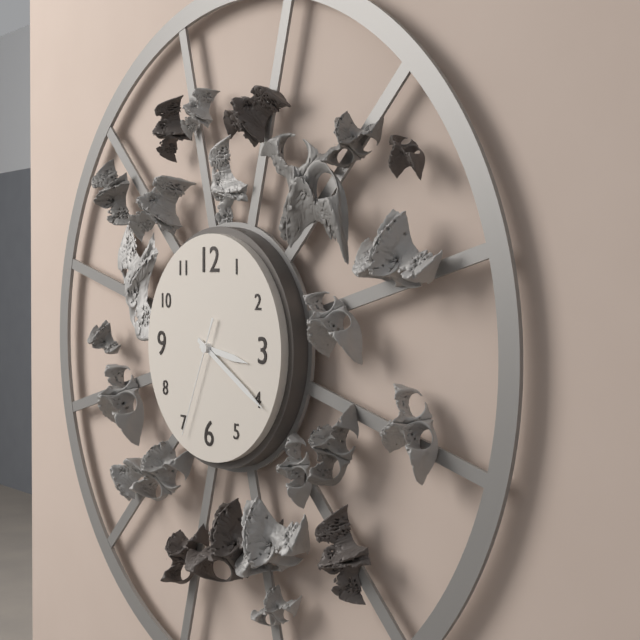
h=3 m=20 s=34
